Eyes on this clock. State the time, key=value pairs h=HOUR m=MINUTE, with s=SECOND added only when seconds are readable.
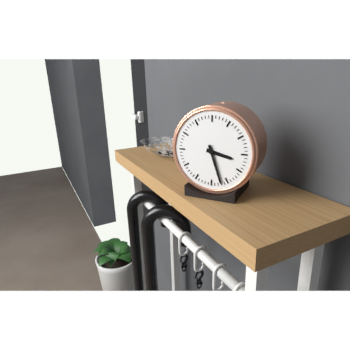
h=3 m=27
